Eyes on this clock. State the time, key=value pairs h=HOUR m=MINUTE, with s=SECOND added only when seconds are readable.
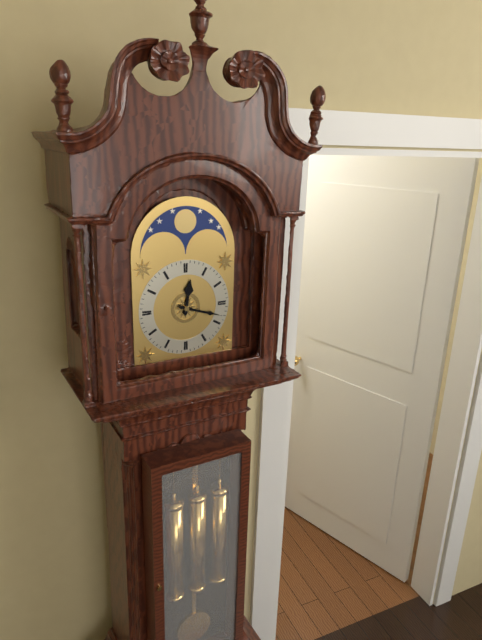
h=12 m=18
